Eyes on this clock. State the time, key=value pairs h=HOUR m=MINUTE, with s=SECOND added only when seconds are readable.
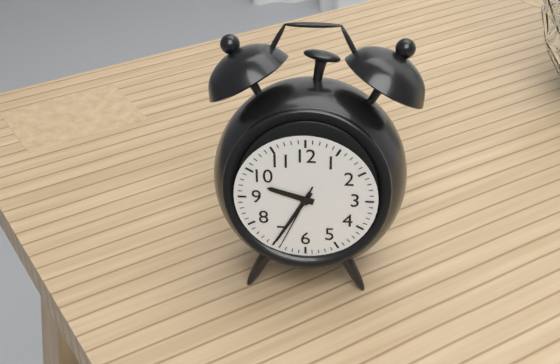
h=9 m=35 s=34
